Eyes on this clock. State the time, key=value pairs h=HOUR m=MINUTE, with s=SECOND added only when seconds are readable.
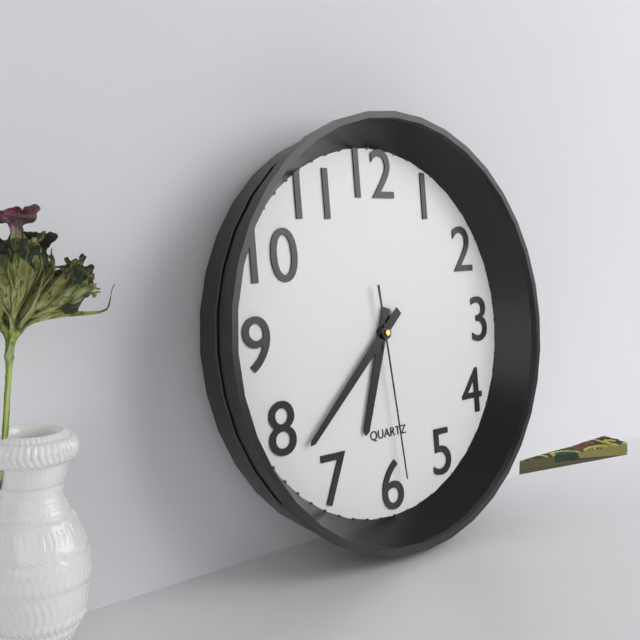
h=6 m=38 s=29
